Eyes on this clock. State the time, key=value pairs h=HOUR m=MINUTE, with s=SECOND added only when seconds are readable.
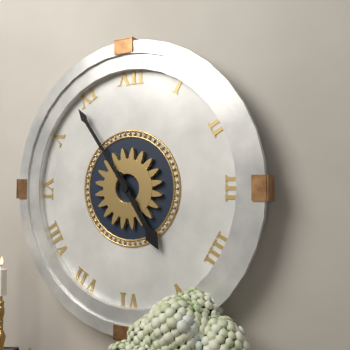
h=4 m=54
